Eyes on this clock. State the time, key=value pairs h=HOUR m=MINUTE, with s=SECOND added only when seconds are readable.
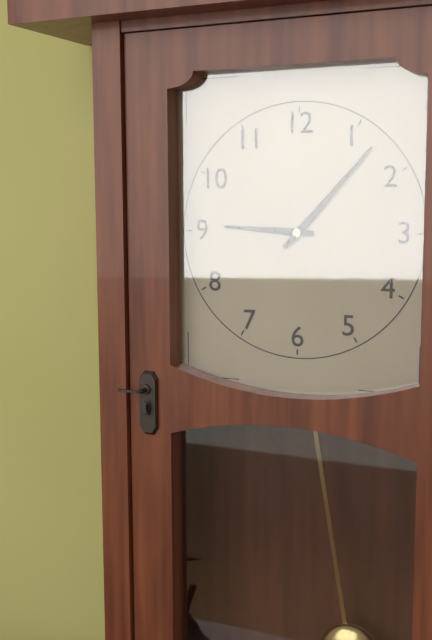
h=9 m=7
